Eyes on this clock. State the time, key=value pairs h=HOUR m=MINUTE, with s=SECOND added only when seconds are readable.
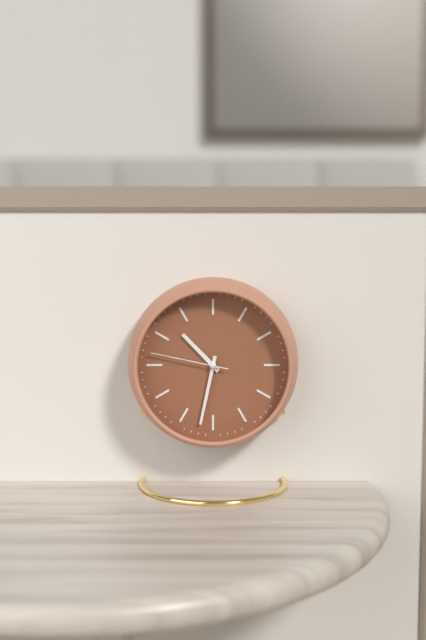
h=10 m=32 s=47
